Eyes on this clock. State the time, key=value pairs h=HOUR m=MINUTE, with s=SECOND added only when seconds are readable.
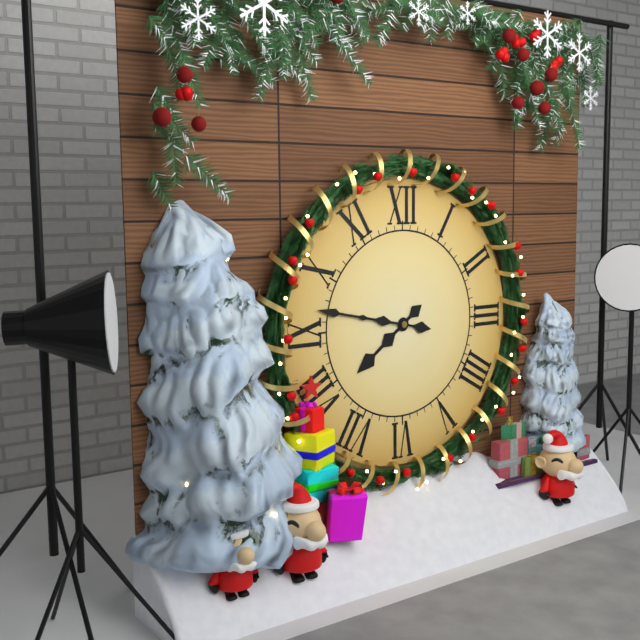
h=7 m=47
